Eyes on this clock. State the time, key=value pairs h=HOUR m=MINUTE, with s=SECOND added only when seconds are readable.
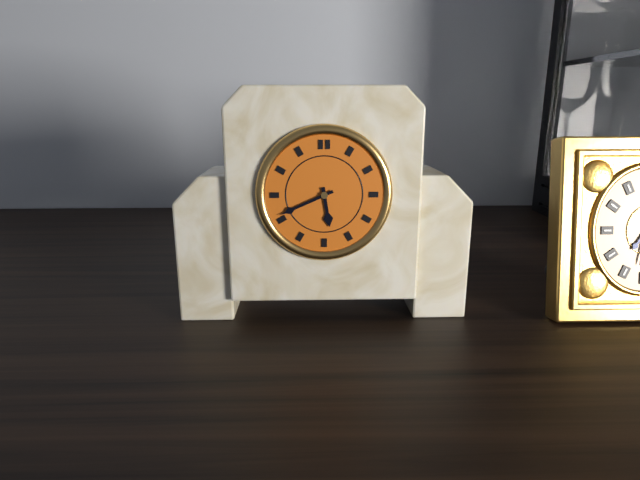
h=5 m=41
